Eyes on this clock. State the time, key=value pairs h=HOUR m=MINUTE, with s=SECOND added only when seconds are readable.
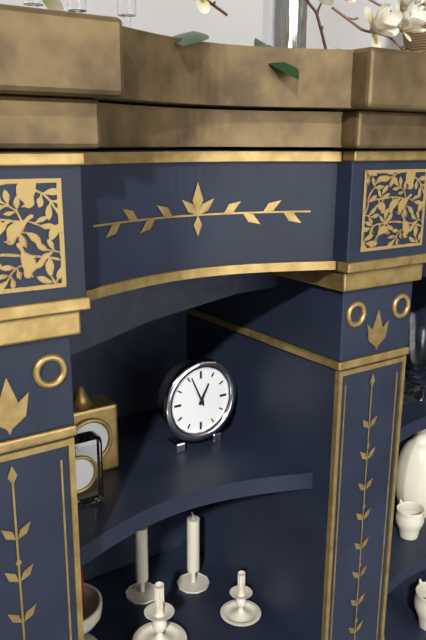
h=12 m=56
